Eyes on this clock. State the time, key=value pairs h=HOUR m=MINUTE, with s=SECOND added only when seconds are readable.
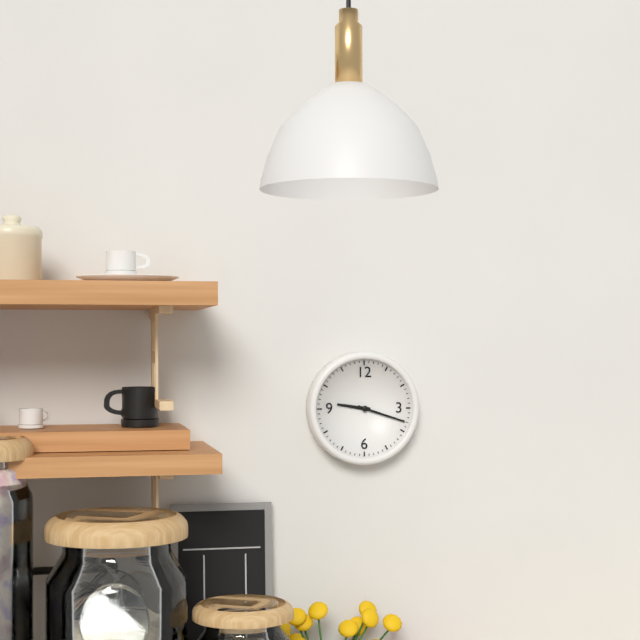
h=9 m=18
